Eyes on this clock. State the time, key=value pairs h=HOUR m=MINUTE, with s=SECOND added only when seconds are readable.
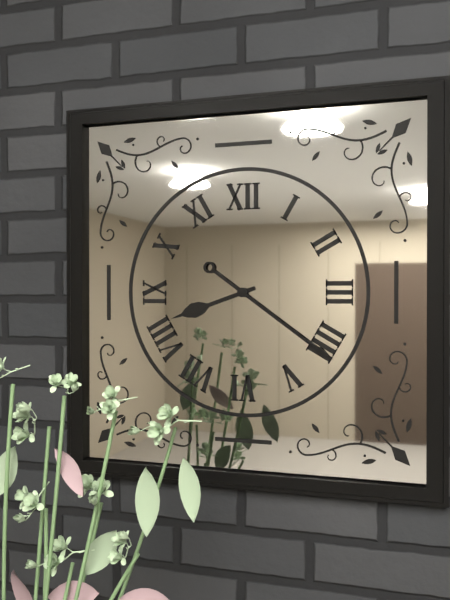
h=8 m=21
